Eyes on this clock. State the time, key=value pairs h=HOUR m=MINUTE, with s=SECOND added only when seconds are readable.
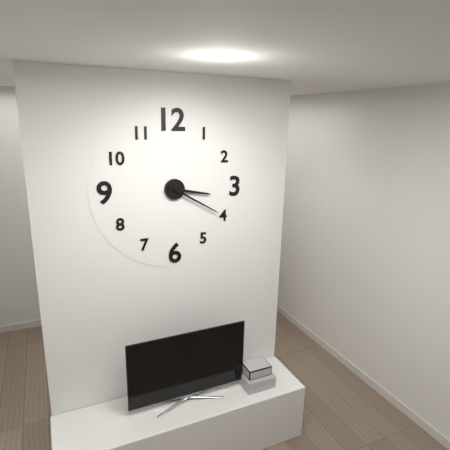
h=3 m=20
